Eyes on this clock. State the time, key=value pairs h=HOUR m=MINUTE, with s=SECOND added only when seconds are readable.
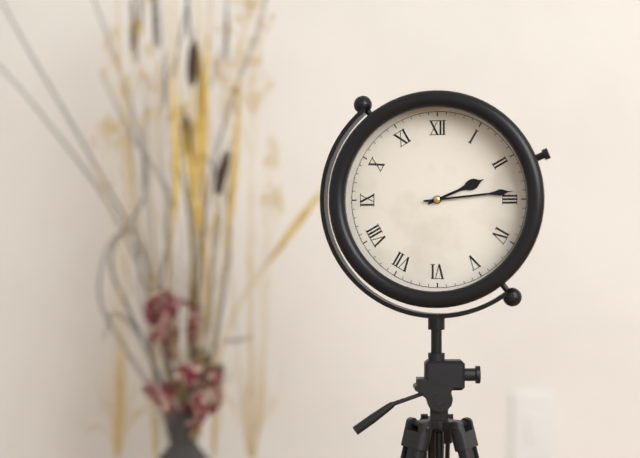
h=2 m=14
